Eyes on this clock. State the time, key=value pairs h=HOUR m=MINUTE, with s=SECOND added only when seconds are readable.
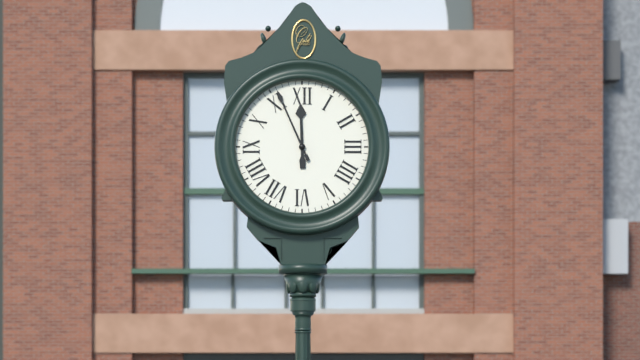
h=11 m=56
